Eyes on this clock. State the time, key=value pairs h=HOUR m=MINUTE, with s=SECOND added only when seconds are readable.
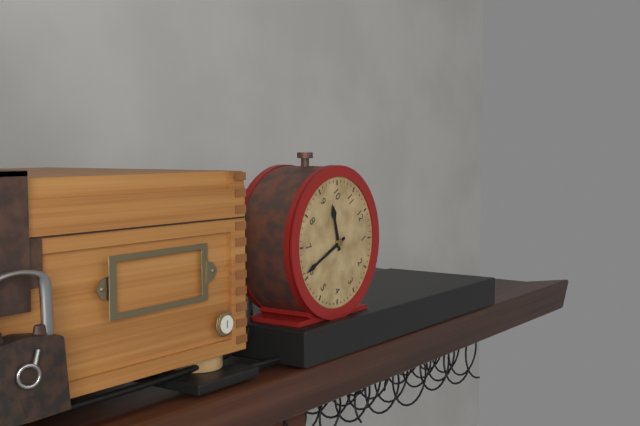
h=9 m=31
